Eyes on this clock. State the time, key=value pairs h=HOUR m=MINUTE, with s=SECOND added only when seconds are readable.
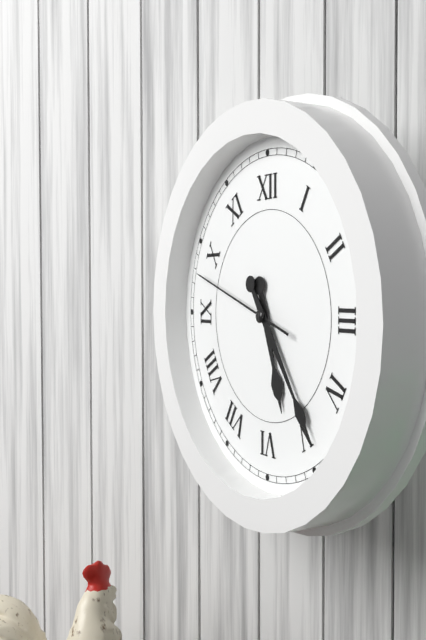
h=5 m=24 s=48
